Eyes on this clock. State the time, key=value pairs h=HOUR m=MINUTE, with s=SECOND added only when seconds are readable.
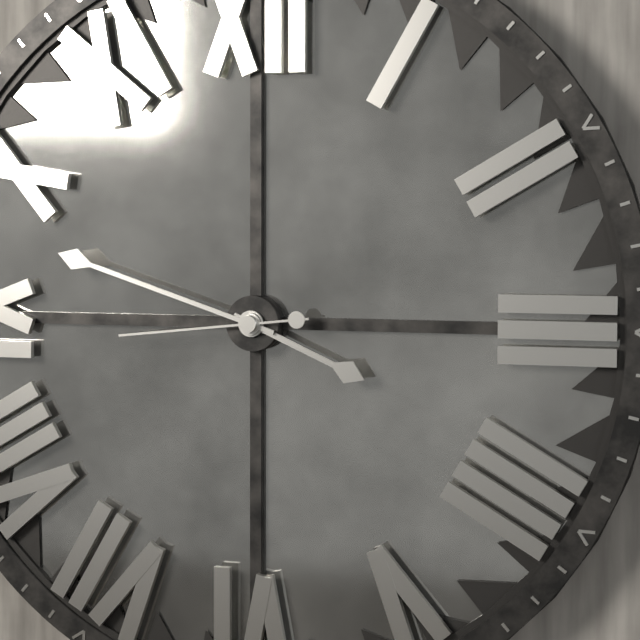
h=3 m=48 s=44
